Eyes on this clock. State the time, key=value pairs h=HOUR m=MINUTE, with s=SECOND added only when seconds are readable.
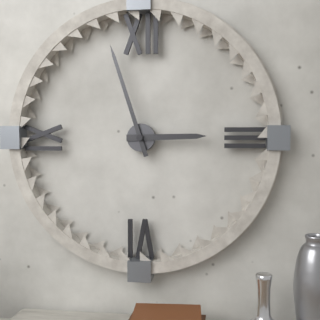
h=2 m=57
